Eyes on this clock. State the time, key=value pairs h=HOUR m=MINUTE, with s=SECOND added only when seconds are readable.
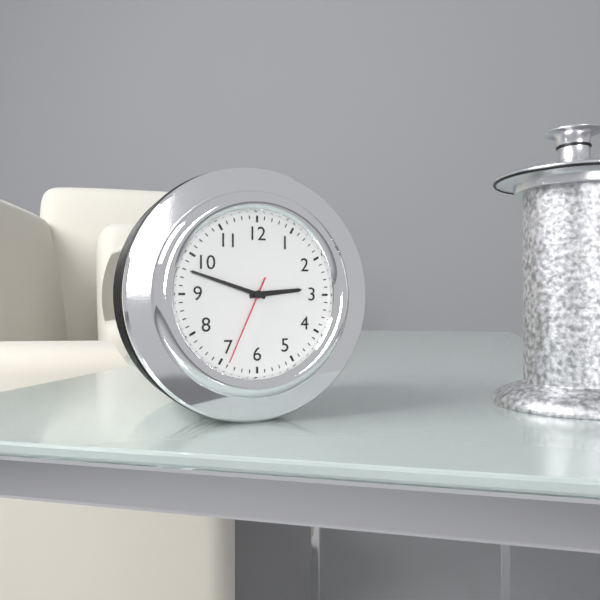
h=2 m=48 s=34
